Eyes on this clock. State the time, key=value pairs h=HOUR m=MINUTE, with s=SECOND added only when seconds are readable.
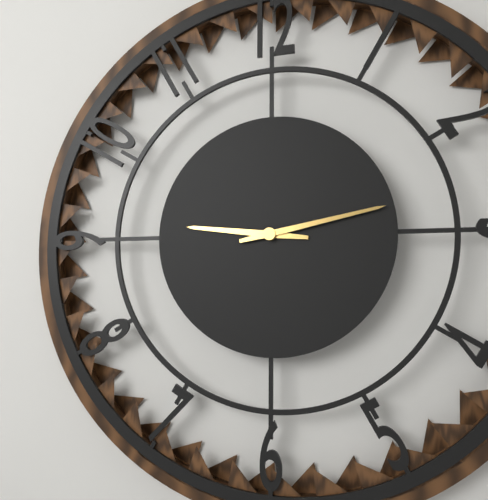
h=9 m=13
